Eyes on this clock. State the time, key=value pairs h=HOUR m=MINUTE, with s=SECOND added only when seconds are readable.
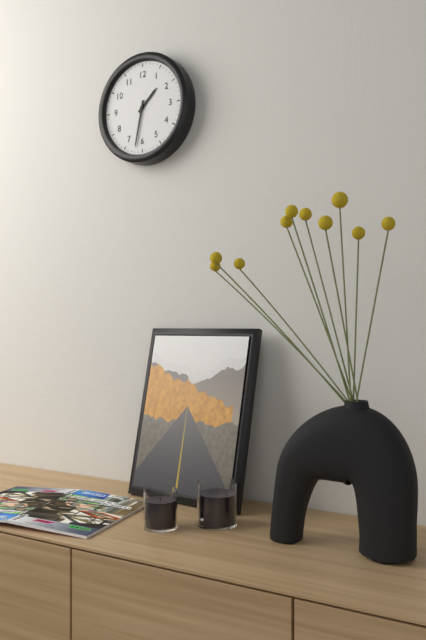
h=1 m=32
